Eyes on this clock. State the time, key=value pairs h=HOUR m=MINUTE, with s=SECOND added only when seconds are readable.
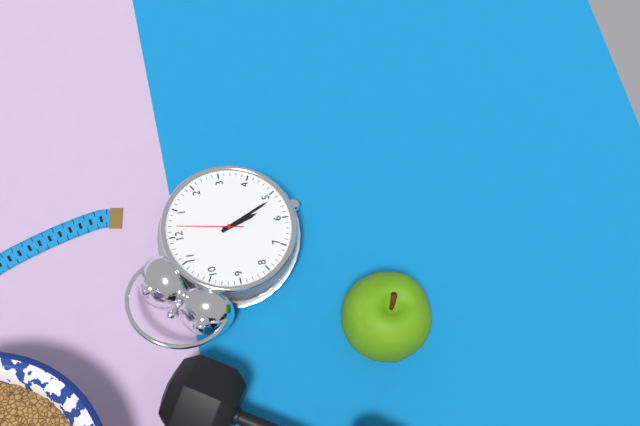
h=5 m=26 s=2
